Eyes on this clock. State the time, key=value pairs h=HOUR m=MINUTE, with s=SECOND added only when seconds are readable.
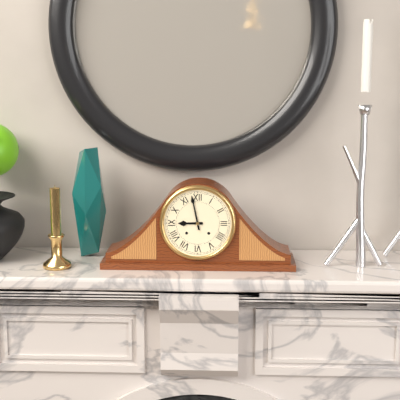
h=8 m=58
